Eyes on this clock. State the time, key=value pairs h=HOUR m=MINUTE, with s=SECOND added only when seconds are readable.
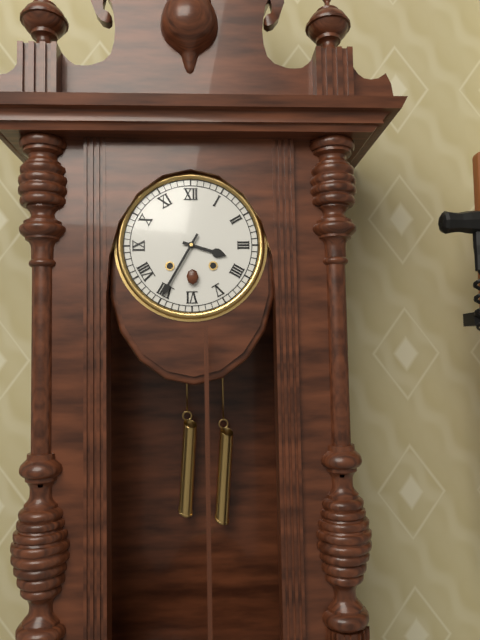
h=3 m=35
